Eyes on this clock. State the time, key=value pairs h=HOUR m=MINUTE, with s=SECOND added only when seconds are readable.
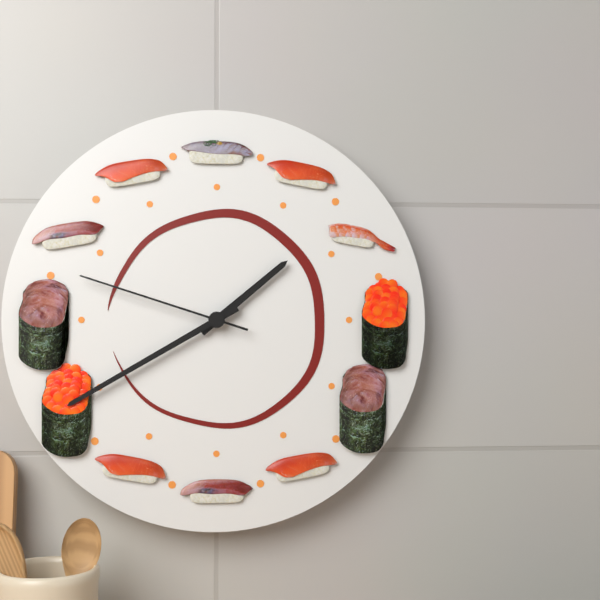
h=1 m=40 s=48
